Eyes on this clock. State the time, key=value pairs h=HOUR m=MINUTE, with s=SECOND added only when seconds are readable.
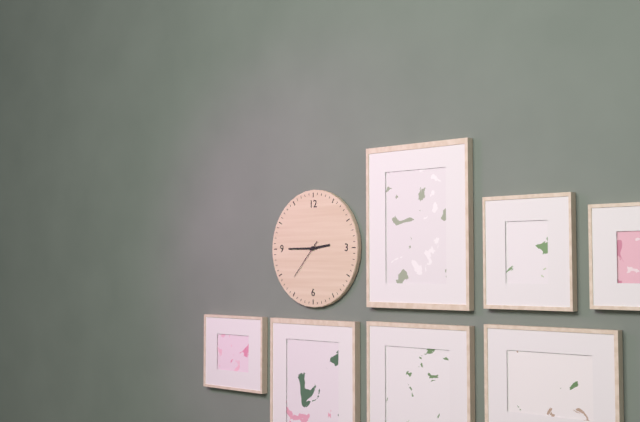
h=2 m=45
